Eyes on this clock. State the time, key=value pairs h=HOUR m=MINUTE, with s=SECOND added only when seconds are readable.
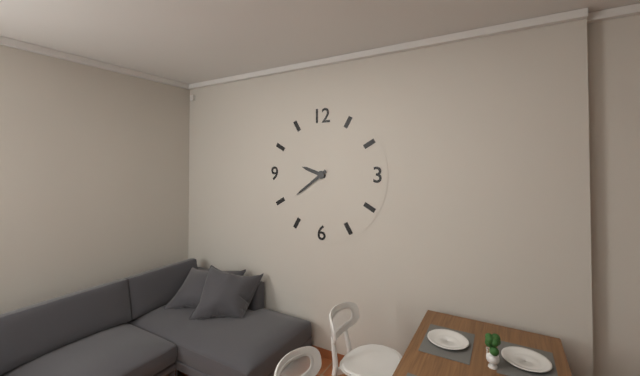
h=9 m=39
